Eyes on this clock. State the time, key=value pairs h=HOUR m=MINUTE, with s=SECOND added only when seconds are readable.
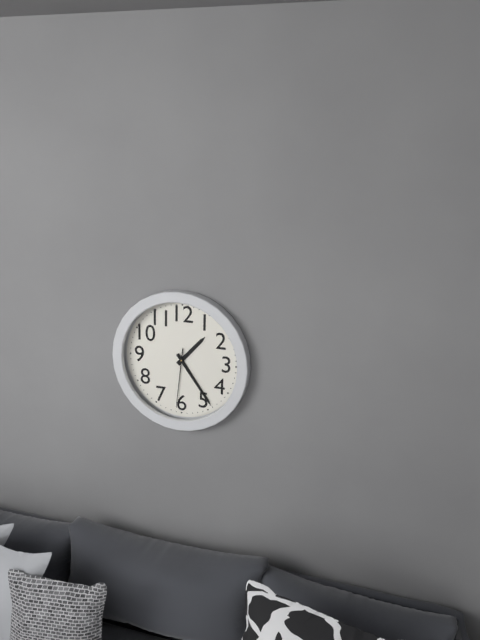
h=1 m=24 s=31
